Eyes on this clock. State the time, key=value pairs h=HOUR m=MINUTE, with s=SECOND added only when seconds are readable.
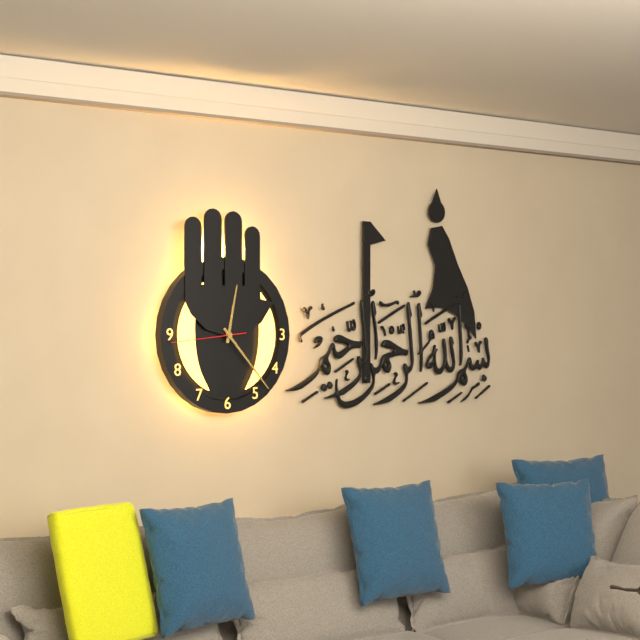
h=12 m=23 s=44
